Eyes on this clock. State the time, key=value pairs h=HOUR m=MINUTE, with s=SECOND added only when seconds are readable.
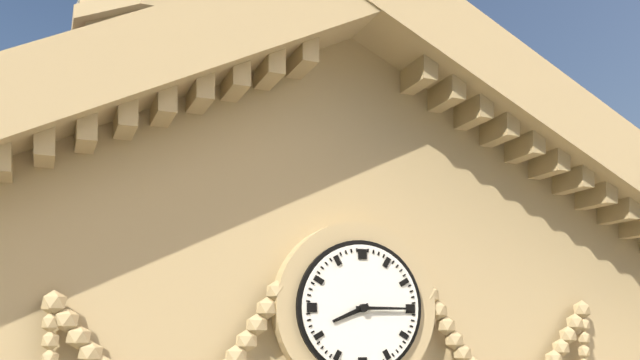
h=8 m=15
